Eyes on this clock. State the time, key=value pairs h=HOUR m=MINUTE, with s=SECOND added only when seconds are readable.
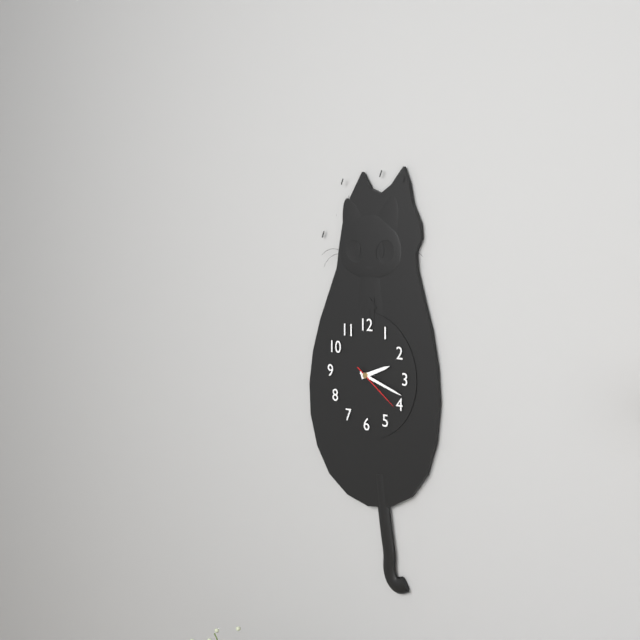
h=2 m=18
